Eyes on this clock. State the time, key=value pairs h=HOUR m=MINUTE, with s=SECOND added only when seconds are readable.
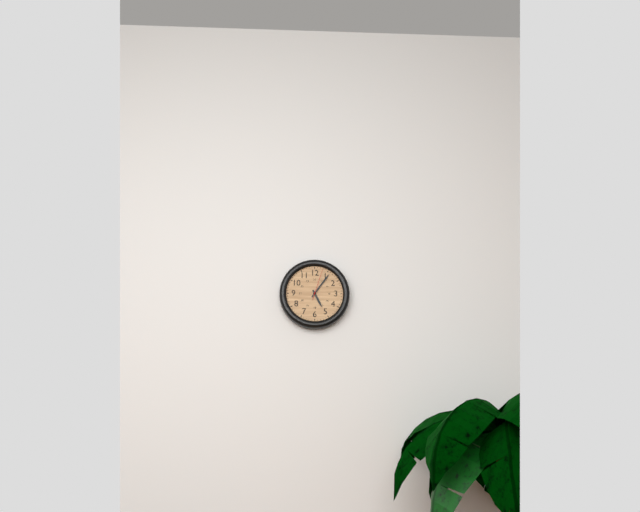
h=5 m=6
